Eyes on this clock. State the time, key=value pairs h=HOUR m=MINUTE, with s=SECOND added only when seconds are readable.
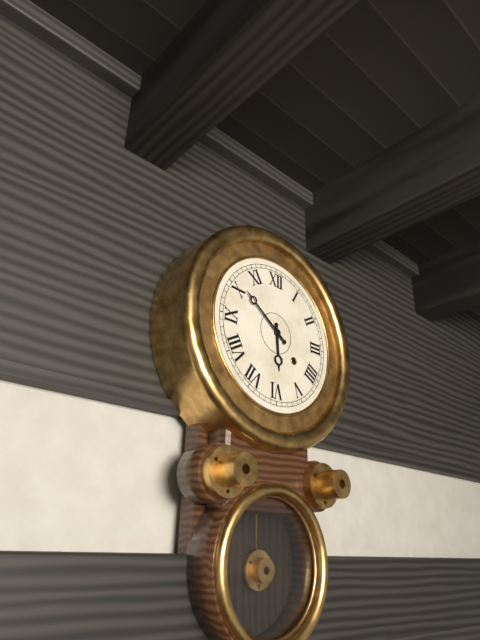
h=5 m=51
